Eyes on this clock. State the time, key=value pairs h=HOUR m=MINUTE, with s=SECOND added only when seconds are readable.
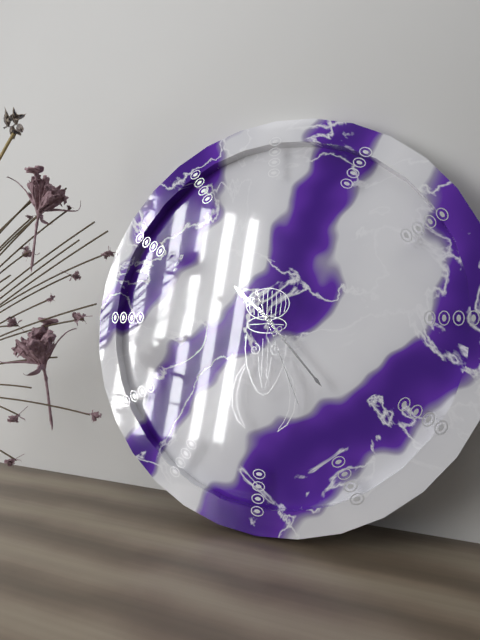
h=10 m=23 s=26
